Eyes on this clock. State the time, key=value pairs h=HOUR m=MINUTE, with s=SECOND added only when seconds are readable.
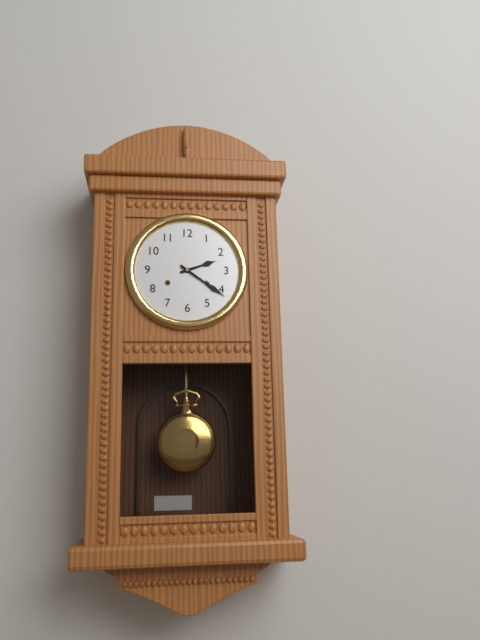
h=2 m=21
